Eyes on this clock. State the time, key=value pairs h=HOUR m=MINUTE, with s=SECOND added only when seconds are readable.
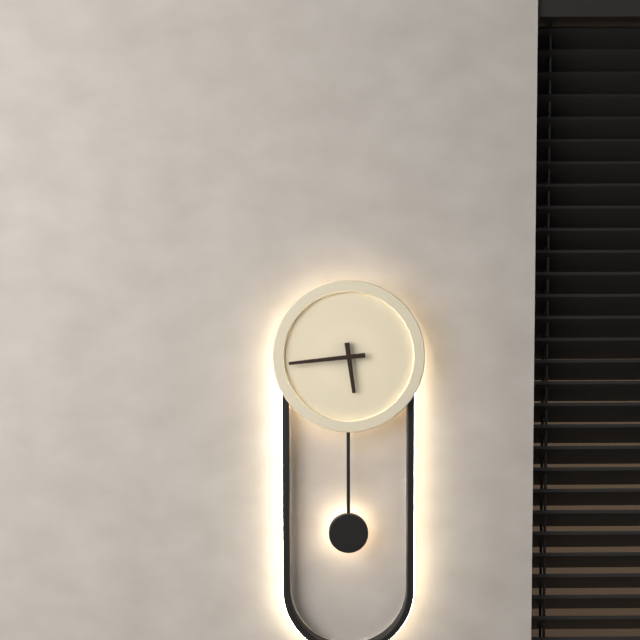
h=5 m=44
